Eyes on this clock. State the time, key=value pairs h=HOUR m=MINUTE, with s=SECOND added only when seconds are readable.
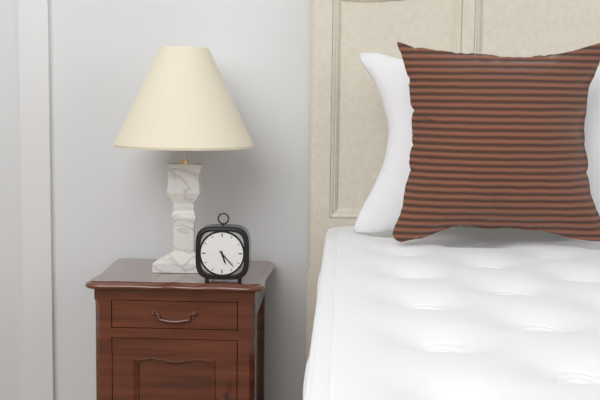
h=5 m=23
